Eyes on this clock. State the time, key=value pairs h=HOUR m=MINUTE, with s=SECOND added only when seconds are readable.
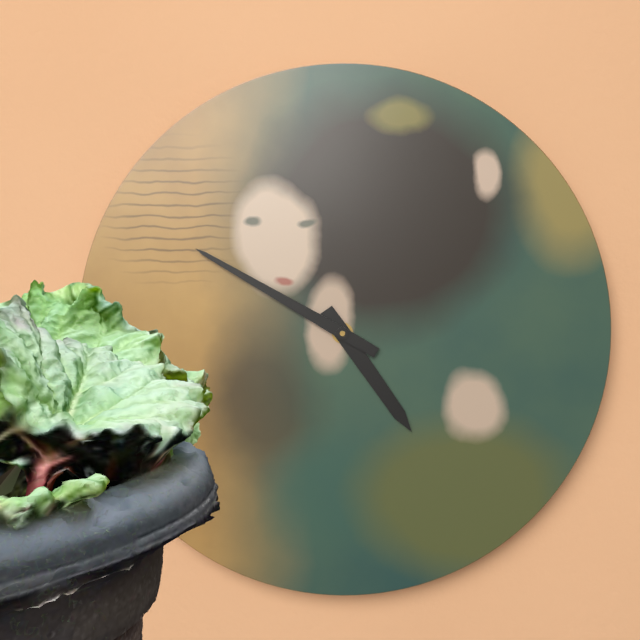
h=4 m=50
